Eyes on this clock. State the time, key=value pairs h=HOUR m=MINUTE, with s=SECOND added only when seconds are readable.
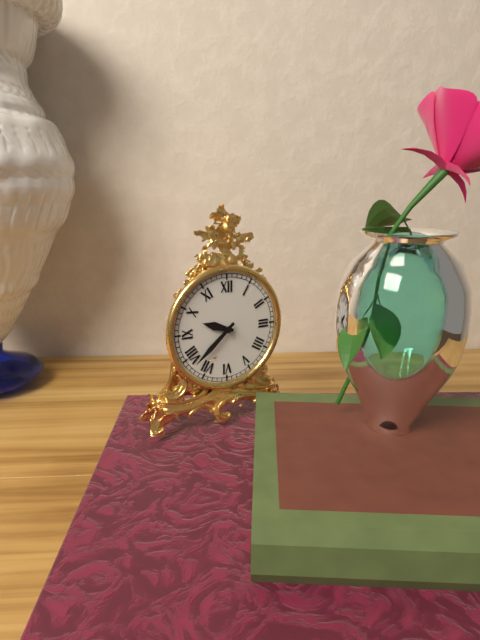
h=9 m=38
